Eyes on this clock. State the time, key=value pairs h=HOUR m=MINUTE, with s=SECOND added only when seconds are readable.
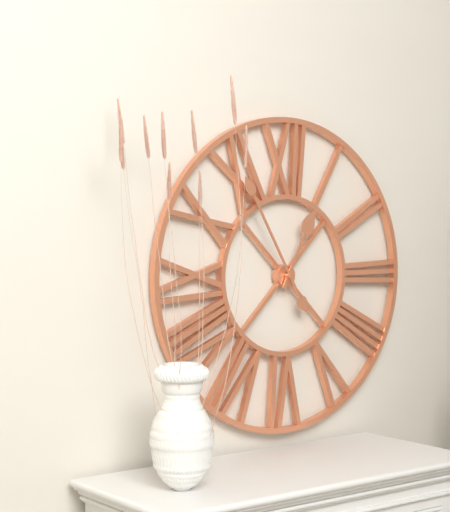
h=12 m=55
